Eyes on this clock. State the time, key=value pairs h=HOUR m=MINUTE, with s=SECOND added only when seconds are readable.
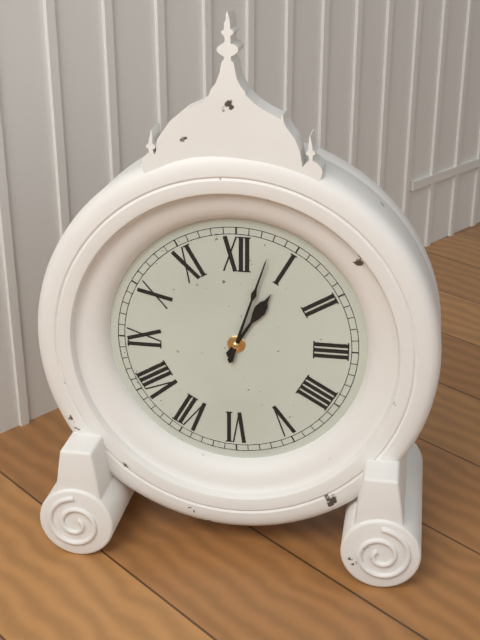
h=1 m=3
